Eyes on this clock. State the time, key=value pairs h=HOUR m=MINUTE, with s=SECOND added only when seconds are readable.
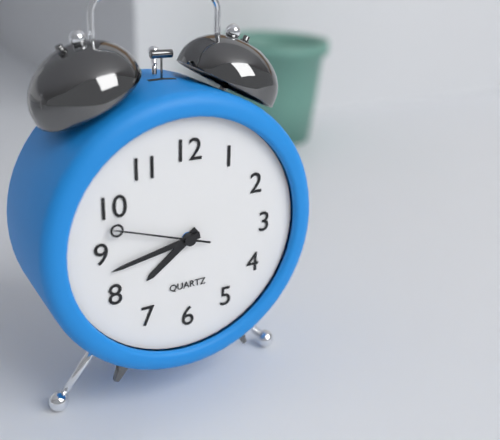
h=7 m=43 s=48
